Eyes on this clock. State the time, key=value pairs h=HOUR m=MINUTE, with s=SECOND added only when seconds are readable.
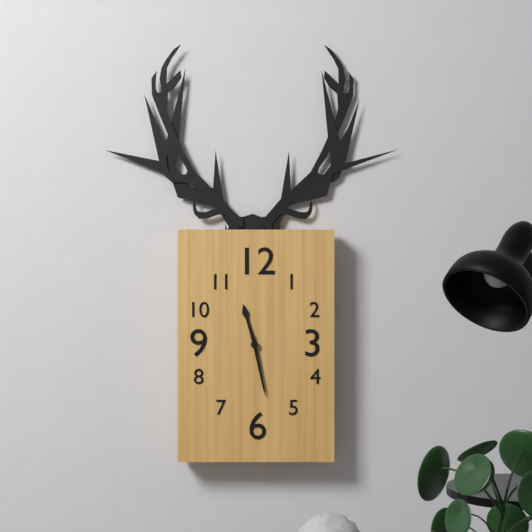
h=11 m=28
